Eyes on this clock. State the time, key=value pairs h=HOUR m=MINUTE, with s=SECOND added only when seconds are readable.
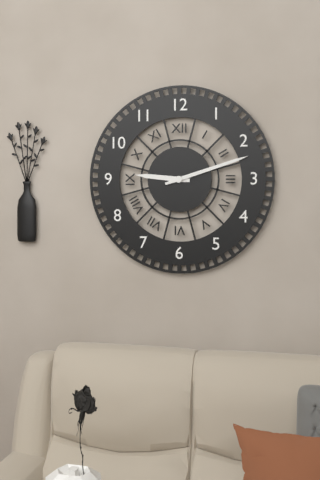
h=9 m=12
